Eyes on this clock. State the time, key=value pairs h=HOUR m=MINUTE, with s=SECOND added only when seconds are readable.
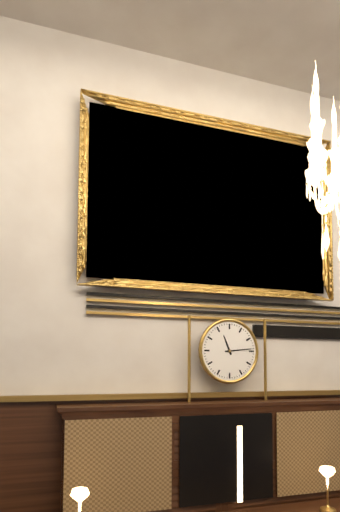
h=11 m=14
